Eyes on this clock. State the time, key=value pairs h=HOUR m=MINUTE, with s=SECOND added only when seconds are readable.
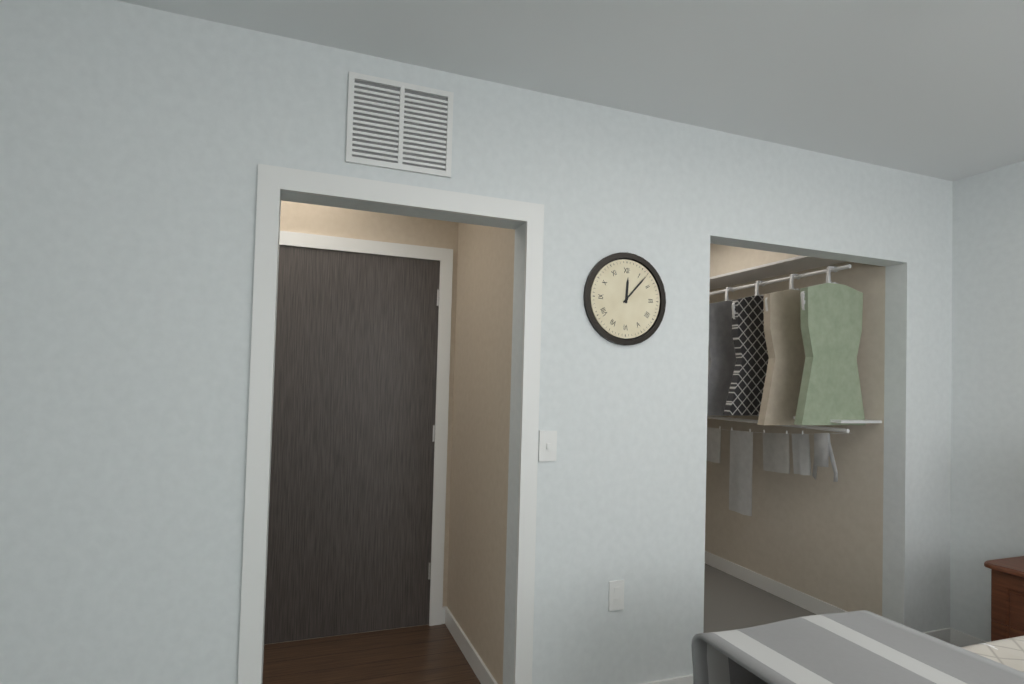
h=12 m=7
